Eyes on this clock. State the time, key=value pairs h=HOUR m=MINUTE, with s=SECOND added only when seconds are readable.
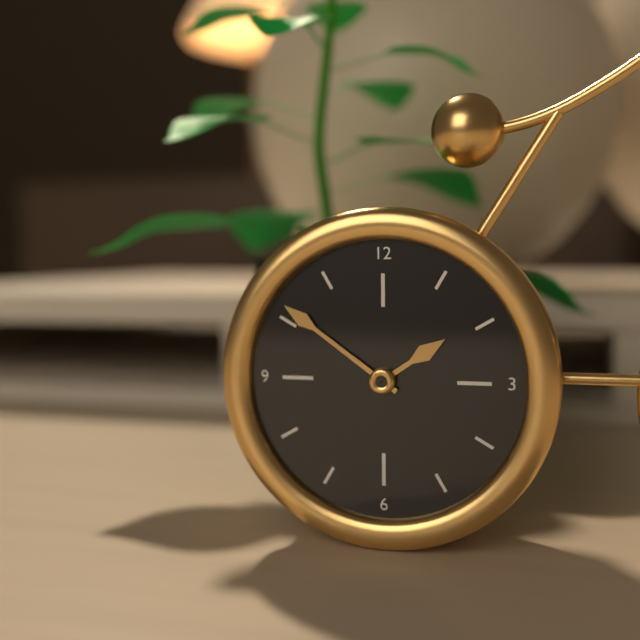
h=1 m=51
